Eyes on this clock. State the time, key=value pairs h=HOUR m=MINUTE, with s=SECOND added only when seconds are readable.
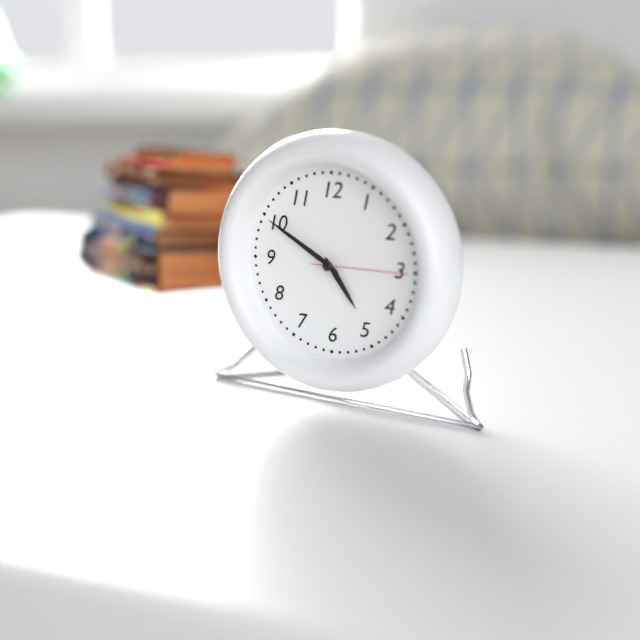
h=4 m=50 s=15
